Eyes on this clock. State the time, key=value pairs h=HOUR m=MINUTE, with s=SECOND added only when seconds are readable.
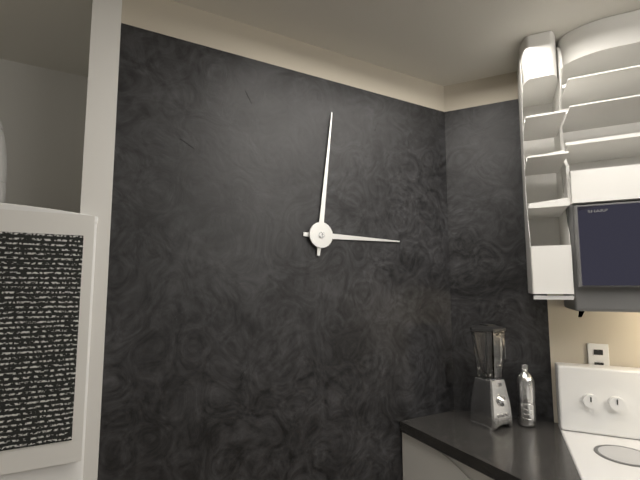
h=3 m=1
